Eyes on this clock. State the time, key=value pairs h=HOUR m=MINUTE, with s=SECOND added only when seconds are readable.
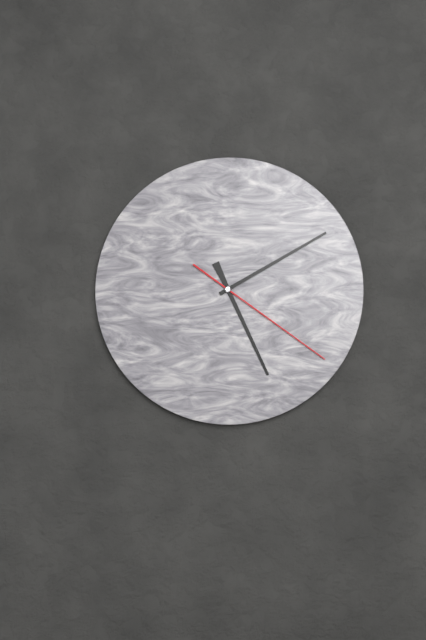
h=5 m=10 s=21
